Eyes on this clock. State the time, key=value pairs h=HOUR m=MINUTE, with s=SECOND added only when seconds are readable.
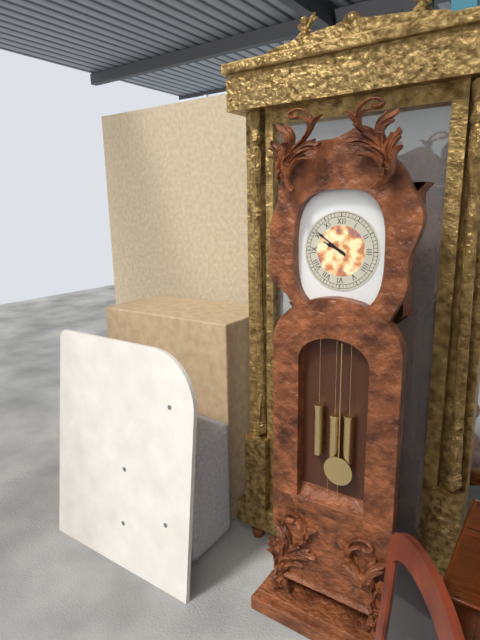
h=9 m=51
